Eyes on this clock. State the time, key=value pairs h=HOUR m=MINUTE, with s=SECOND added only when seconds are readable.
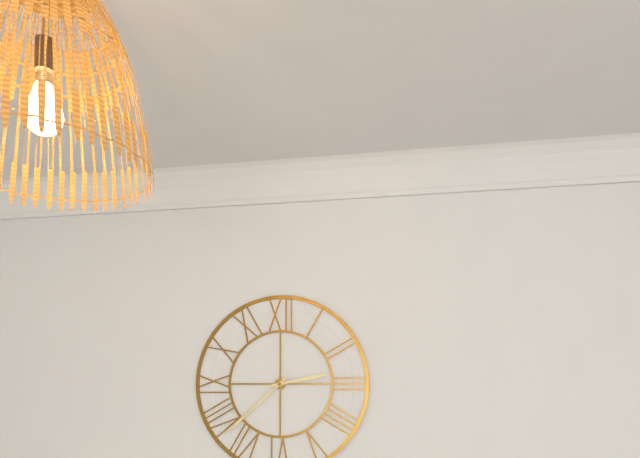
h=2 m=38
